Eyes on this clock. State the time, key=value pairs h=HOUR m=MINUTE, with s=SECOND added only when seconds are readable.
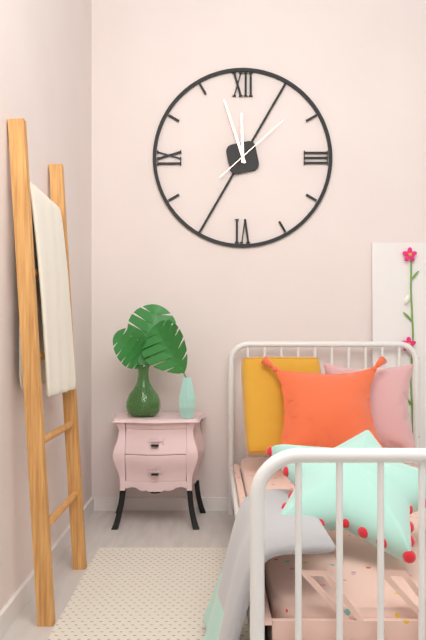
h=11 m=57 s=8
